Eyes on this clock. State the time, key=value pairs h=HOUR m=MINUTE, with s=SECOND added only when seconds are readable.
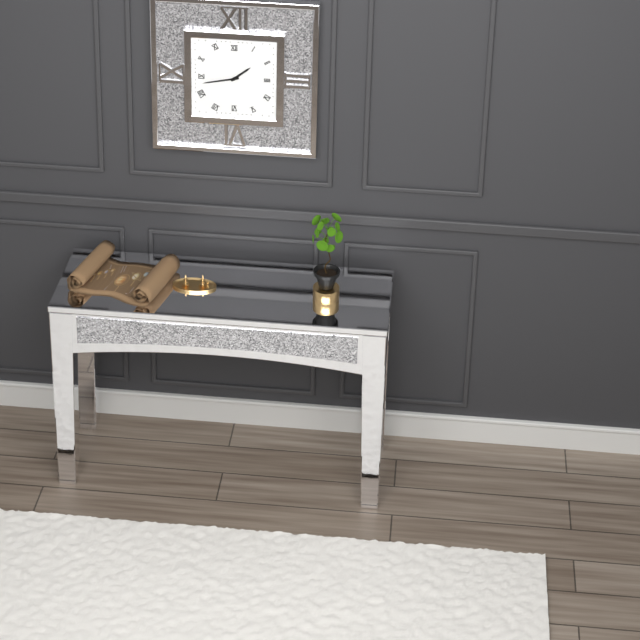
h=1 m=43
